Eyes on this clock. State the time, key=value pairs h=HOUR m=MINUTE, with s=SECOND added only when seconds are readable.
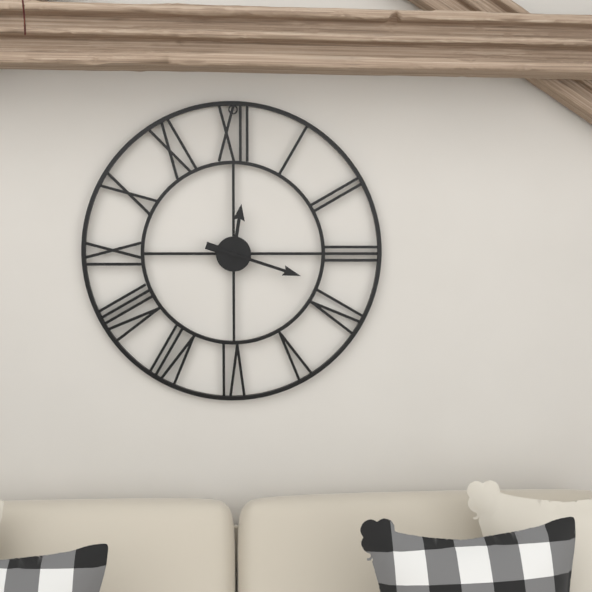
h=12 m=18
